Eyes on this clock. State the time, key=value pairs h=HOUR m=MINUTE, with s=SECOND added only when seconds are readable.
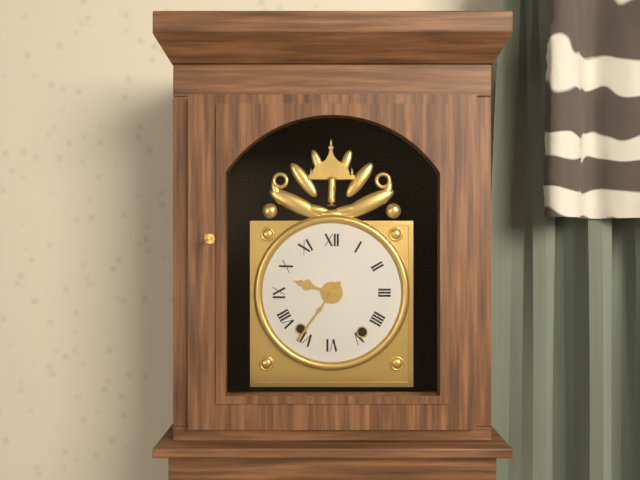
h=9 m=36
